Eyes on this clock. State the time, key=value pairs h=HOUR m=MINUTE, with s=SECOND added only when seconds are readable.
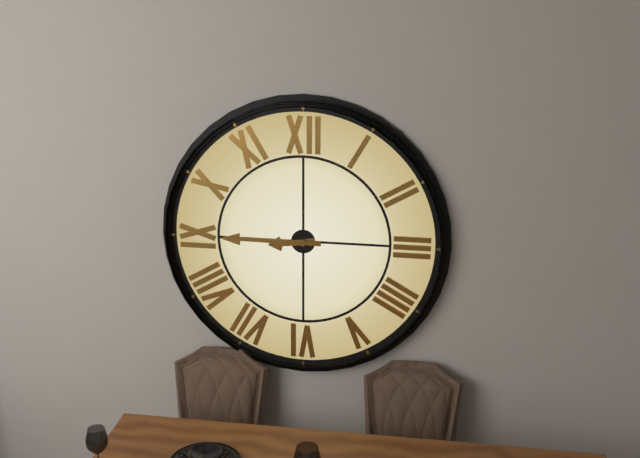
h=8 m=45
